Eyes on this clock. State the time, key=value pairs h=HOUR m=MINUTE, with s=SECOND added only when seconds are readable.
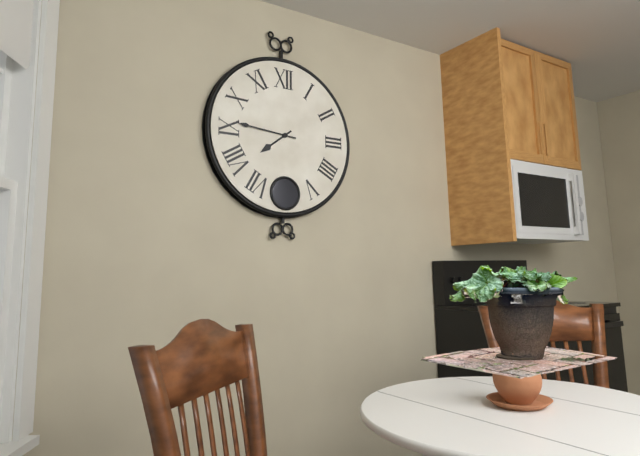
h=7 m=46
